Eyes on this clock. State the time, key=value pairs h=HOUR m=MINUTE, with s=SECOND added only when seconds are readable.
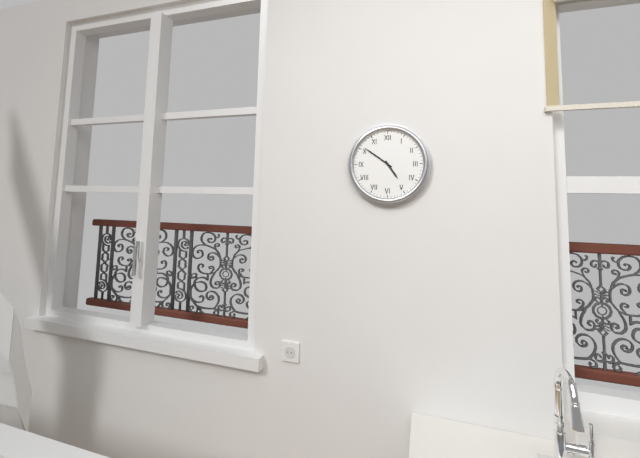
h=4 m=51
